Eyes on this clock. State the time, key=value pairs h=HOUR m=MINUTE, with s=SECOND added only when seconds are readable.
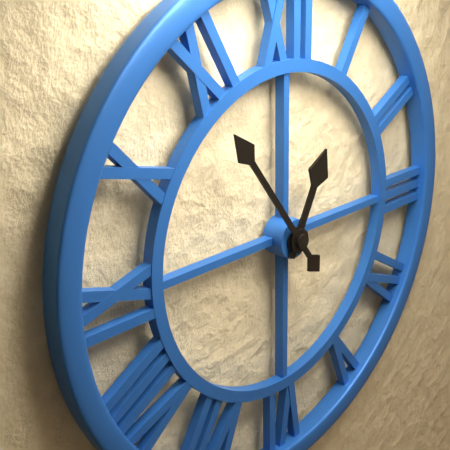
h=12 m=54
